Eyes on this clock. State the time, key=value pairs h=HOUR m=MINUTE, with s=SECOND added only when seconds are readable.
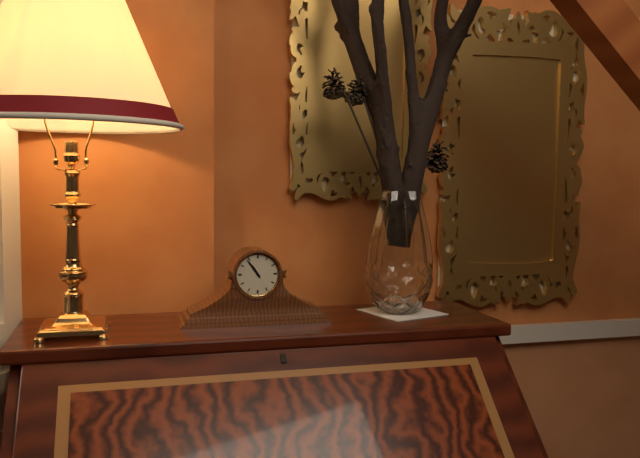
h=10 m=54
